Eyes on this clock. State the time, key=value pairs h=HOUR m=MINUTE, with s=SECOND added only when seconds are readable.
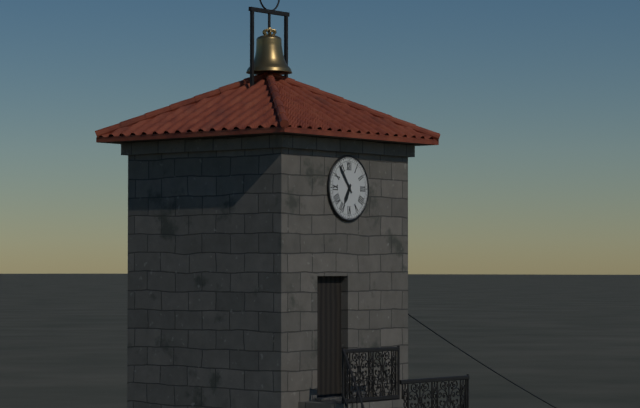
h=6 m=54
